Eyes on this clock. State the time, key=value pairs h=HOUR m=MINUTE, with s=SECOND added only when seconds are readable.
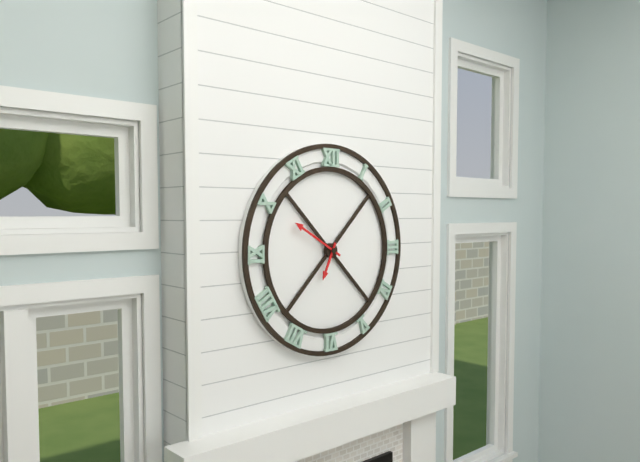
h=6 m=50
